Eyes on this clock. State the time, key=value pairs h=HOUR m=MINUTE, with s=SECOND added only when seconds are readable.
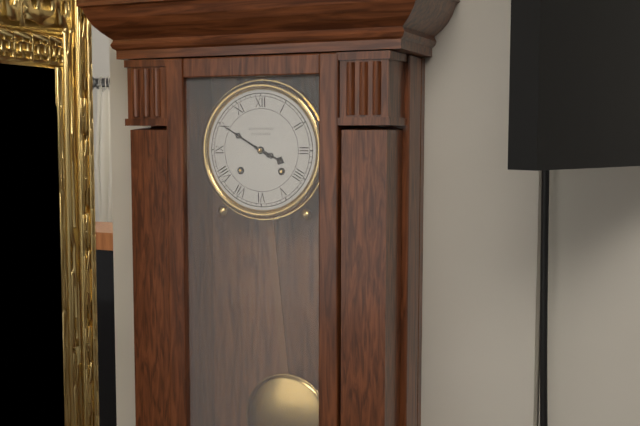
h=3 m=50
